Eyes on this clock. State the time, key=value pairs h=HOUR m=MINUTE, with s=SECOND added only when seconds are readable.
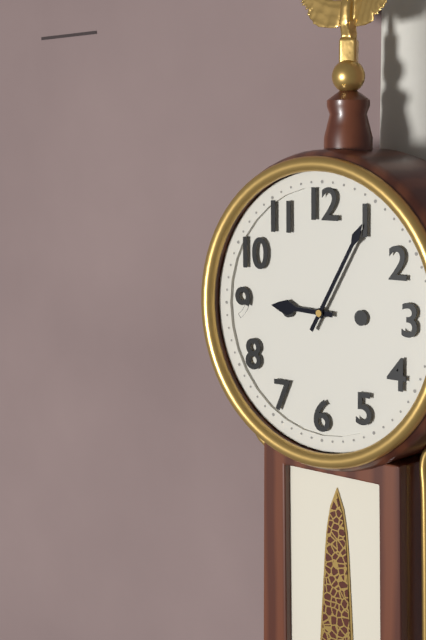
h=9 m=5
